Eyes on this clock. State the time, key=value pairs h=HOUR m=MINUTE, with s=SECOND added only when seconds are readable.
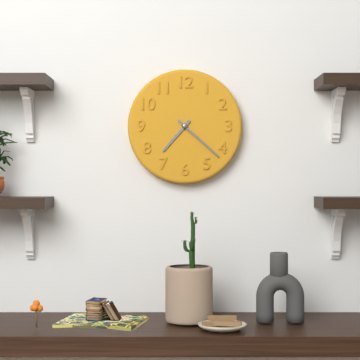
h=7 m=22
